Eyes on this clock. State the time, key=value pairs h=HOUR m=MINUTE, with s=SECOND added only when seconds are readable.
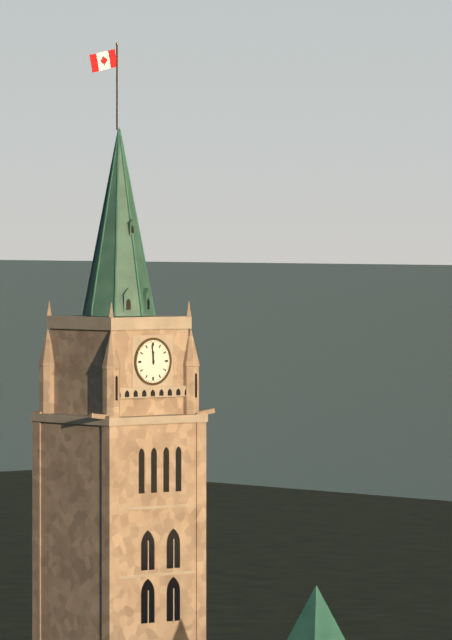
h=11 m=59
